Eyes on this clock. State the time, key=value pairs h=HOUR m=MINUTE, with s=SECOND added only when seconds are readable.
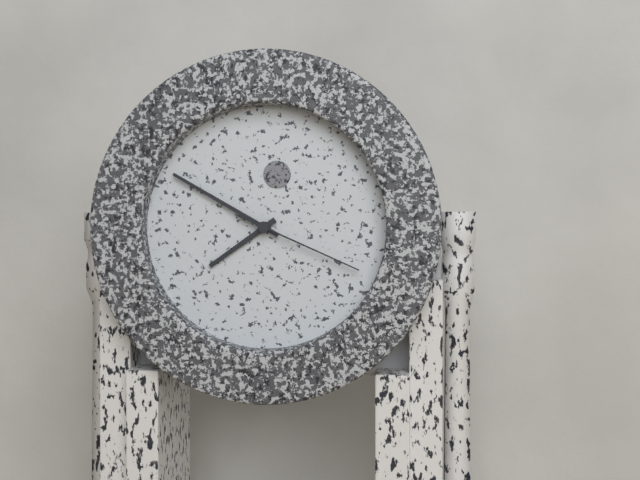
h=7 m=50 s=19
